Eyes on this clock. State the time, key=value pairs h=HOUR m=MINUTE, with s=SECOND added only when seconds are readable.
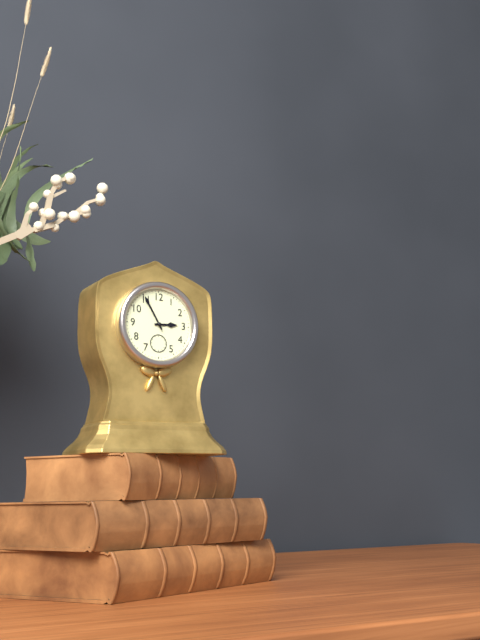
h=2 m=55
